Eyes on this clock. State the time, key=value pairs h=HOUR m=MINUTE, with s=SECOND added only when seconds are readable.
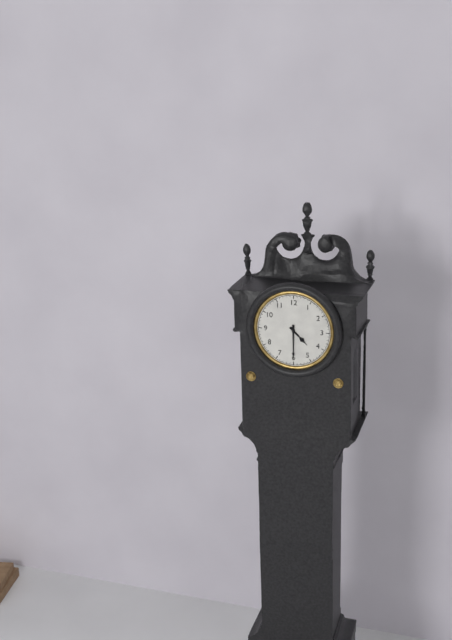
h=4 m=30
